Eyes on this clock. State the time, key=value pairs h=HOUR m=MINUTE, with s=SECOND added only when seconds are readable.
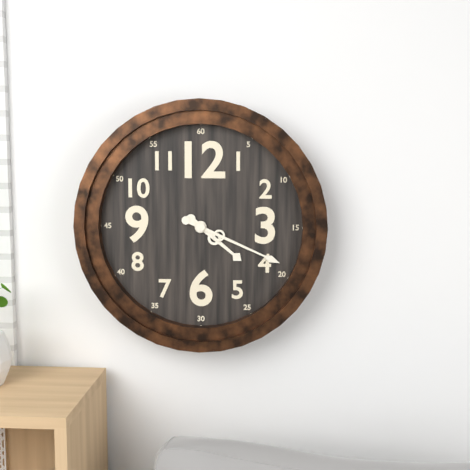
h=4 m=19
